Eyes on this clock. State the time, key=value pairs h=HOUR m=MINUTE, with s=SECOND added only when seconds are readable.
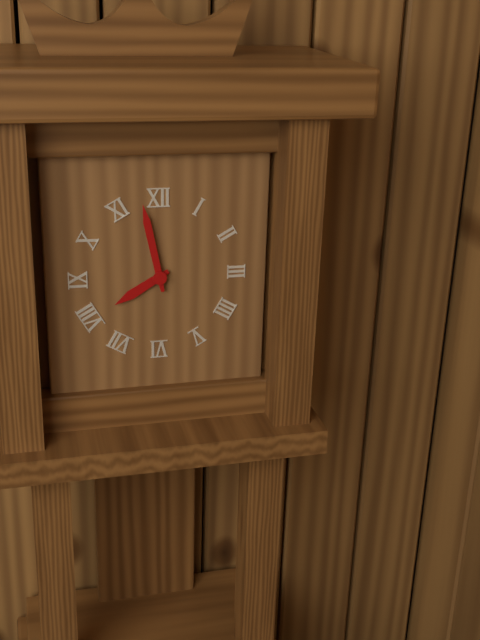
h=7 m=58
